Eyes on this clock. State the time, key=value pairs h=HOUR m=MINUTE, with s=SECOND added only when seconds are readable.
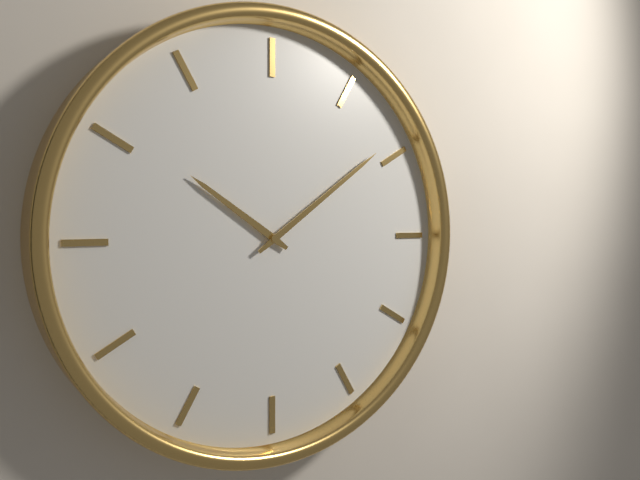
h=10 m=9
